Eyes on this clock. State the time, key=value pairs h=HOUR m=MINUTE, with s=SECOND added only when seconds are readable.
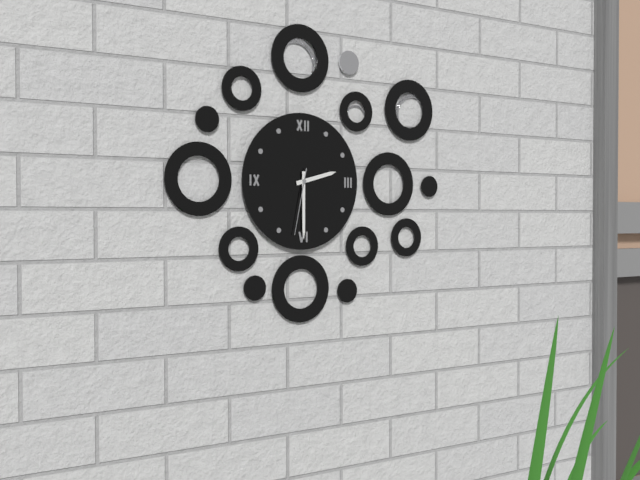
h=2 m=30 s=32
